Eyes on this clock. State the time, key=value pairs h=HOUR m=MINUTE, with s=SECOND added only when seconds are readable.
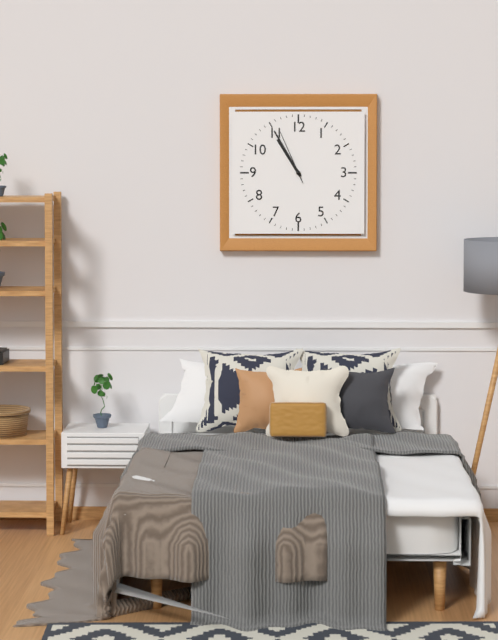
h=10 m=55 s=56
